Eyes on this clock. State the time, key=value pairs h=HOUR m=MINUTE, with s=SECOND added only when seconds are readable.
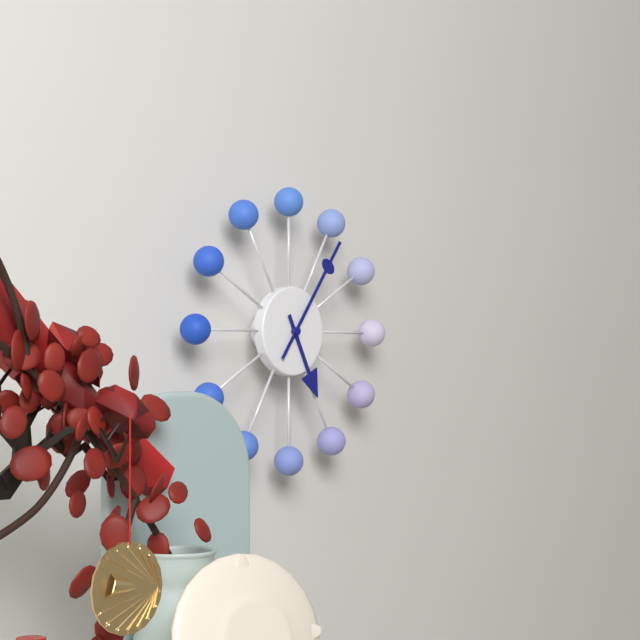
h=5 m=6
